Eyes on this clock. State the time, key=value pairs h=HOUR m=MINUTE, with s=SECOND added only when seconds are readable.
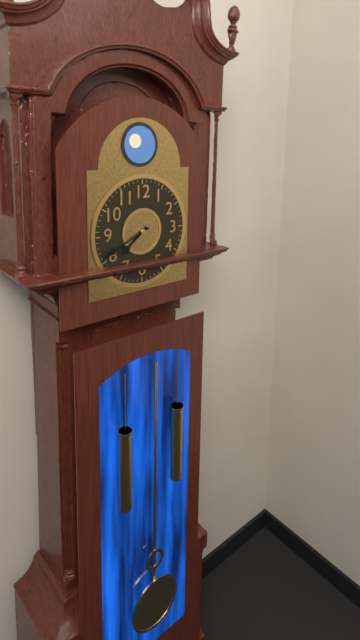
h=7 m=41
